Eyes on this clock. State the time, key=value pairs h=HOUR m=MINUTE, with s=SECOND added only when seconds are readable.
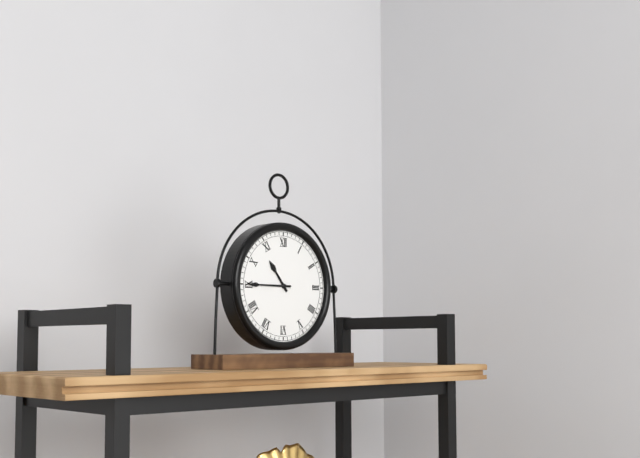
h=10 m=45
